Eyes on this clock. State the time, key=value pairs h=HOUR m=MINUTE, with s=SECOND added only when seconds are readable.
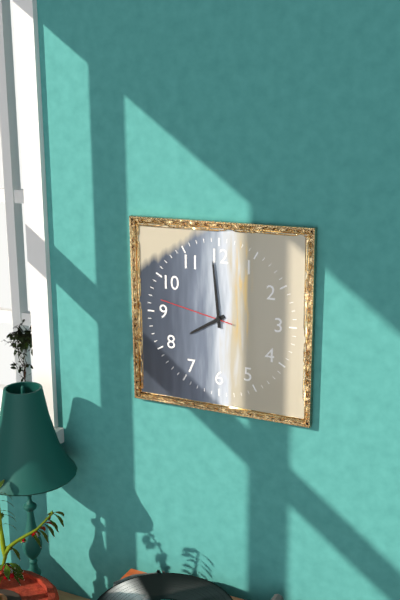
h=7 m=59 s=47
